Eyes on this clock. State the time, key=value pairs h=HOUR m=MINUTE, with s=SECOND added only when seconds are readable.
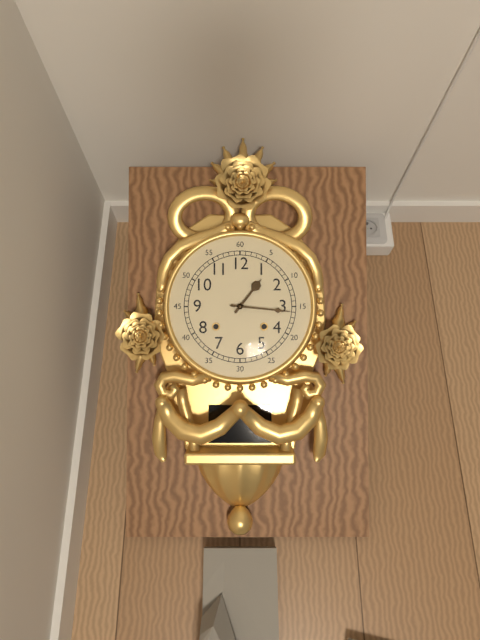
h=1 m=16
